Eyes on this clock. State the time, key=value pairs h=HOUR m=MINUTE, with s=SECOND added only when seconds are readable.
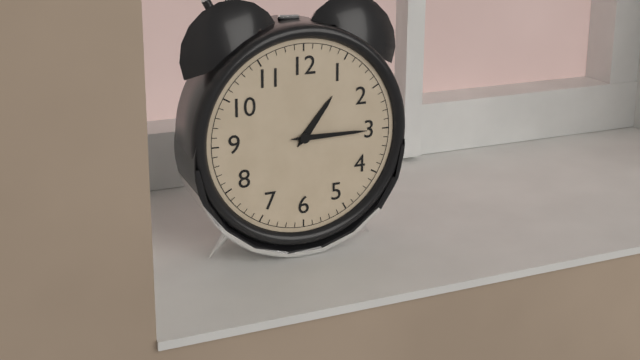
h=1 m=15
